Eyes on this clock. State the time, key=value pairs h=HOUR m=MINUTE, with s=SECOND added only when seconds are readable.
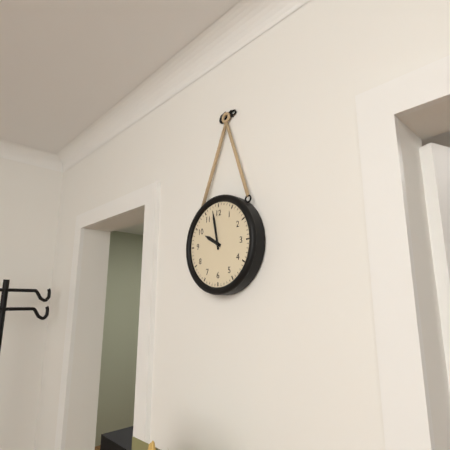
h=9 m=58
